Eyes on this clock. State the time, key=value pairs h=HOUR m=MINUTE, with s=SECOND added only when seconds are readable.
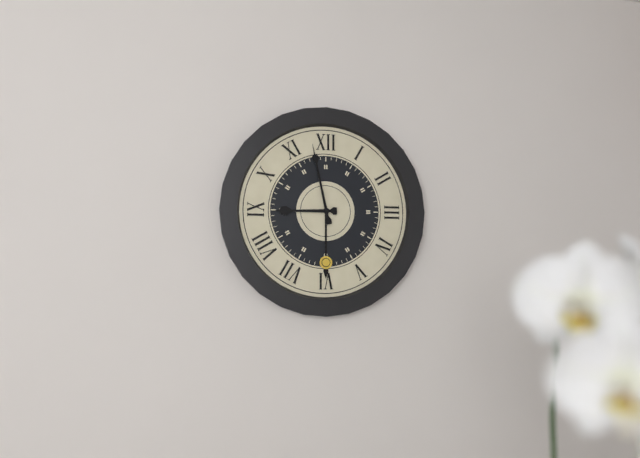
h=8 m=58
